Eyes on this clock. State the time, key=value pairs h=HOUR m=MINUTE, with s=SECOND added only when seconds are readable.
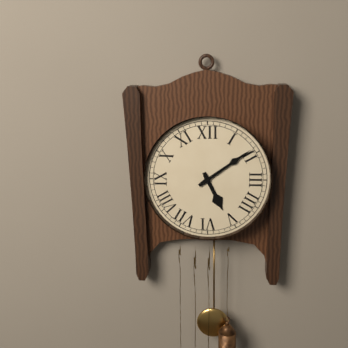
h=5 m=9
